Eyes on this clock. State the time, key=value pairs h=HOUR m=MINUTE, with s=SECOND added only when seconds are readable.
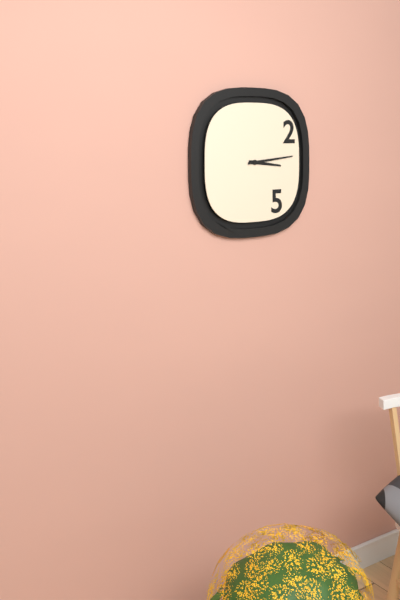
h=3 m=14
